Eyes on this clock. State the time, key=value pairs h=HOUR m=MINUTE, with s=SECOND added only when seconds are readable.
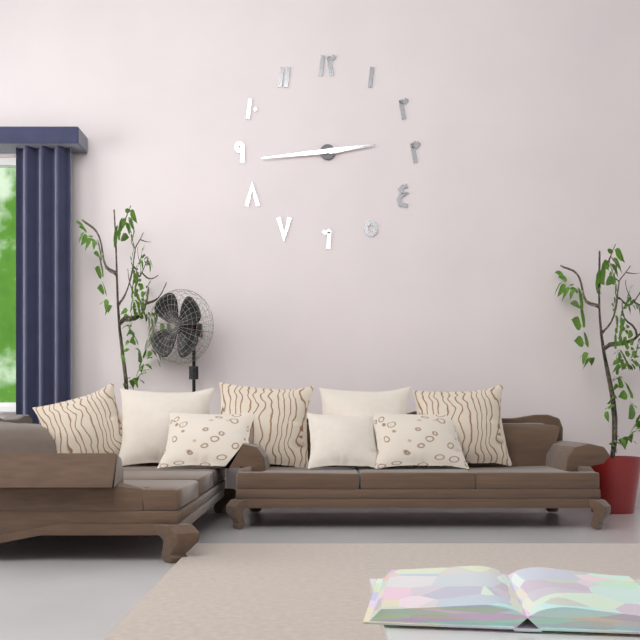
h=2 m=44
